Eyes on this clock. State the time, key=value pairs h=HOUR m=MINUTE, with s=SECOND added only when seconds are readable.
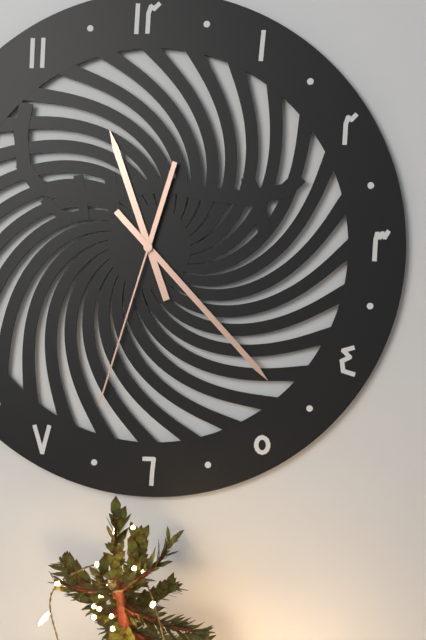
h=11 m=23 s=33
